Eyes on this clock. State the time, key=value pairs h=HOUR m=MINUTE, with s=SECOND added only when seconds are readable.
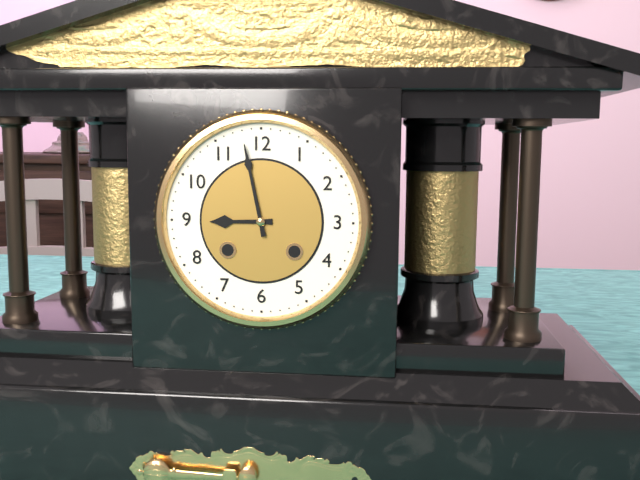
h=8 m=58
